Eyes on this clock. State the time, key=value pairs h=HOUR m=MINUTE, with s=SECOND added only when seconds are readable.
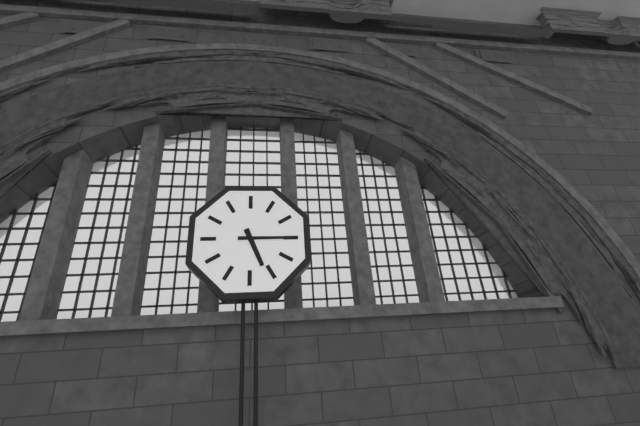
h=5 m=15
